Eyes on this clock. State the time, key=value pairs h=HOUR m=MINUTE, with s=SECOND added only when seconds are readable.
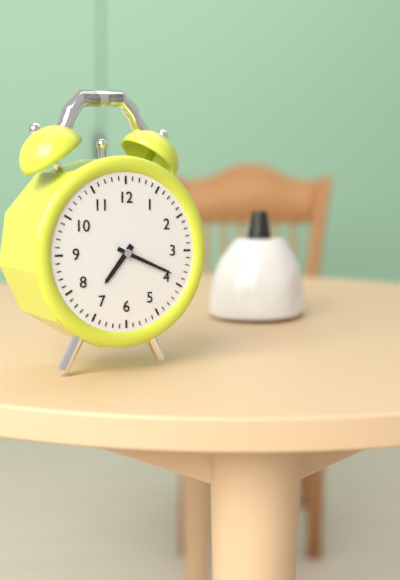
h=7 m=19
